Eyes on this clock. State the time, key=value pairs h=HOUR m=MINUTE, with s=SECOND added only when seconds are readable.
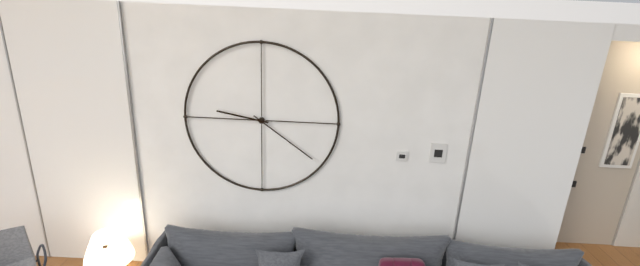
h=9 m=21
